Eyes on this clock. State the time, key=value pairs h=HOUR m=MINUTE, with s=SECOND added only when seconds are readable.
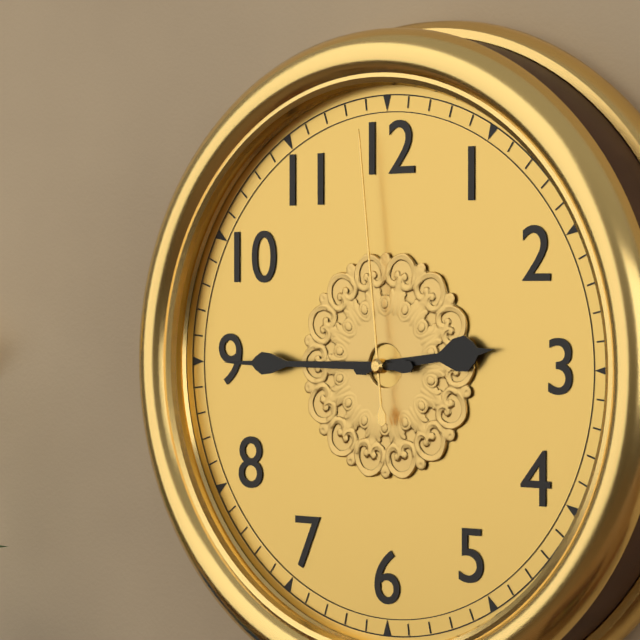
h=2 m=45 s=59
